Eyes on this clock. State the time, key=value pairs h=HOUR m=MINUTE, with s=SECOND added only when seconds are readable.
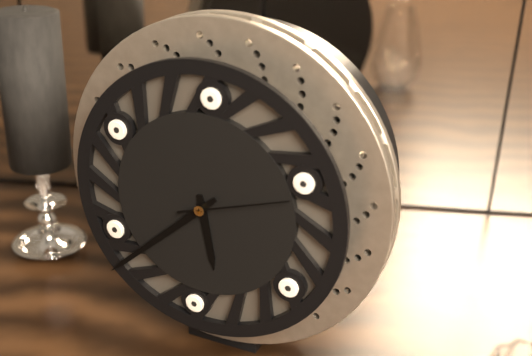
h=5 m=38 s=12
